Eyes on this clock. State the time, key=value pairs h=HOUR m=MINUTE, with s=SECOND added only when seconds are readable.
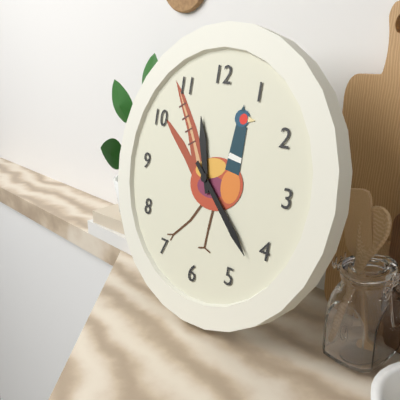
h=11 m=22
